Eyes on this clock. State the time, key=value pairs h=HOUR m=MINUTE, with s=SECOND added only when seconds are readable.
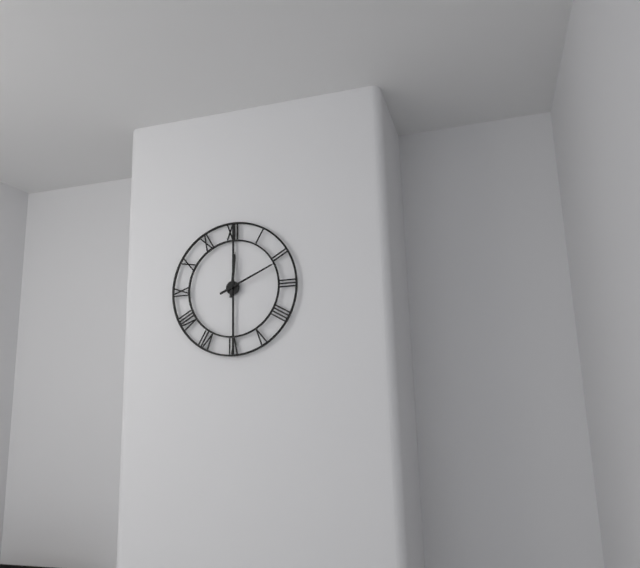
h=12 m=11
